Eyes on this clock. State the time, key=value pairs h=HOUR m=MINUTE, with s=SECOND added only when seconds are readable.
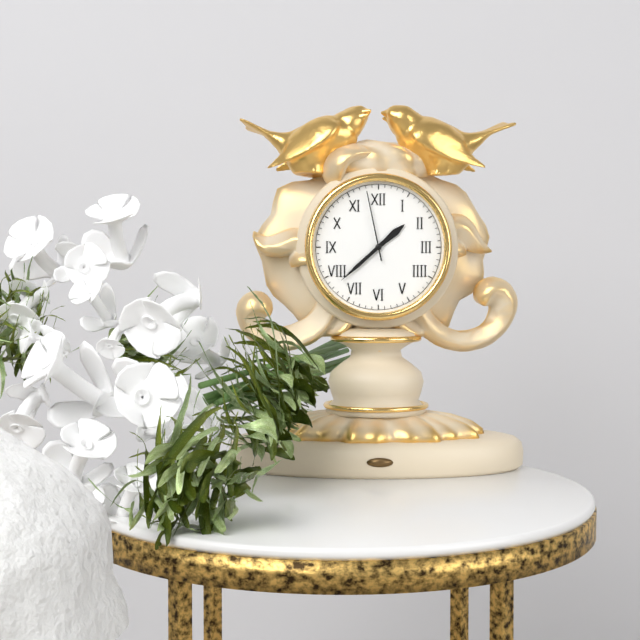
h=1 m=38 s=58
